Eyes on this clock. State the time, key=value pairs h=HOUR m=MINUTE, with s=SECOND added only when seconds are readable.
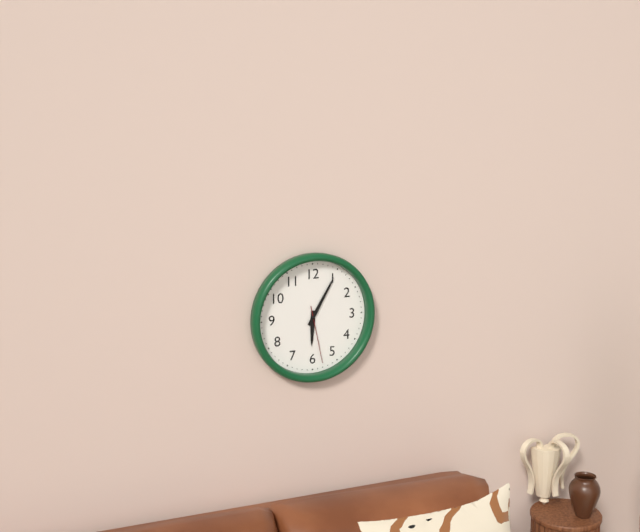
h=6 m=5 s=28
